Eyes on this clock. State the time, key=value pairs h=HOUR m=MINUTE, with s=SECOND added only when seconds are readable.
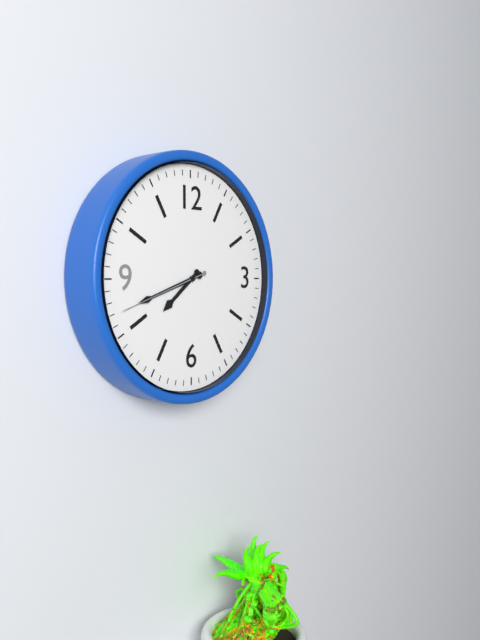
h=7 m=42 s=42
